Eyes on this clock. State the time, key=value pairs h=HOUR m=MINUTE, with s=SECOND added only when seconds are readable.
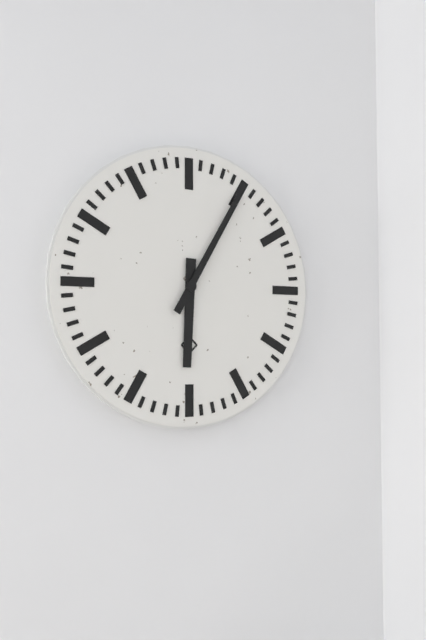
h=6 m=5
